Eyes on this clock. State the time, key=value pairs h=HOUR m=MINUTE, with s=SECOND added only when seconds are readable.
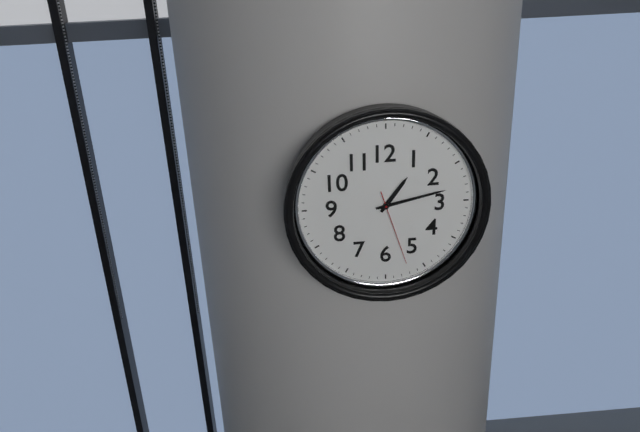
h=1 m=13 s=27
